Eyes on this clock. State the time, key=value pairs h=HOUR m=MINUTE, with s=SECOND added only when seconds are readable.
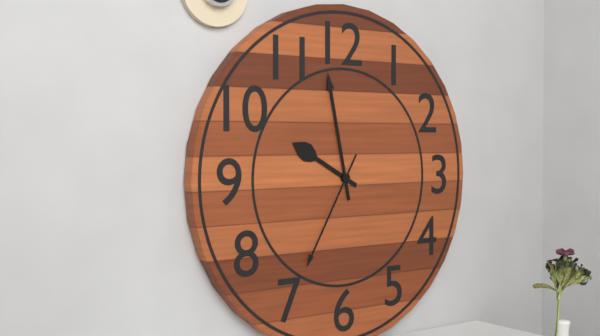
h=9 m=58 s=35
